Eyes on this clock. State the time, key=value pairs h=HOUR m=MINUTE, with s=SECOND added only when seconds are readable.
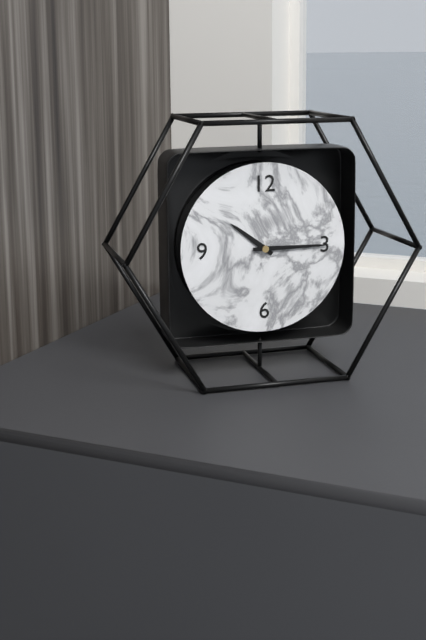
h=10 m=15
